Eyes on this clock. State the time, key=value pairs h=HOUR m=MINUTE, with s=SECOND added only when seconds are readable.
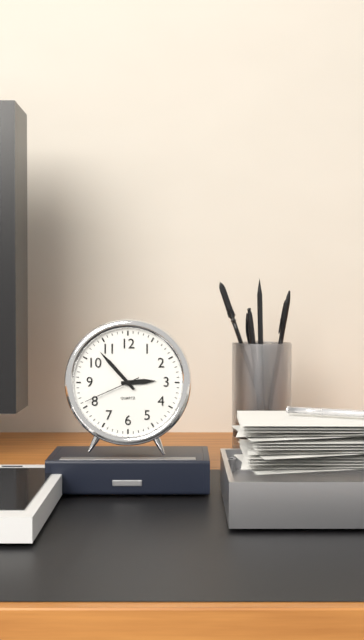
h=2 m=53 s=41
